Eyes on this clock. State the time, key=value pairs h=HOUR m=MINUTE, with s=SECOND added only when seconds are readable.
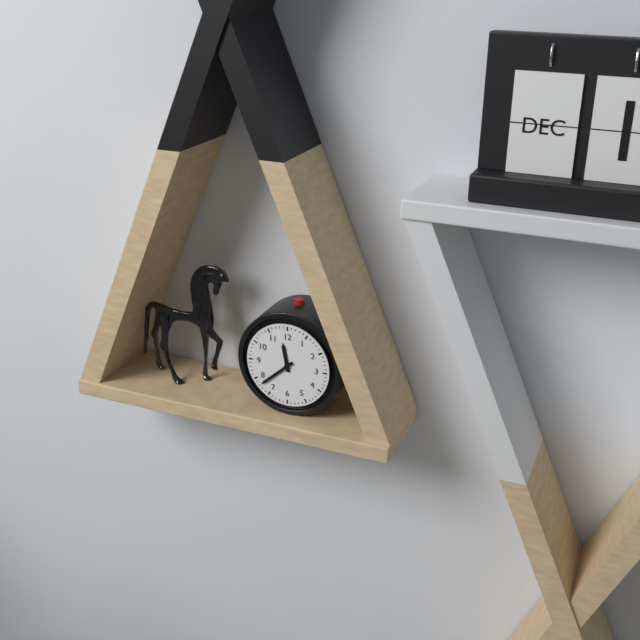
h=11 m=38
